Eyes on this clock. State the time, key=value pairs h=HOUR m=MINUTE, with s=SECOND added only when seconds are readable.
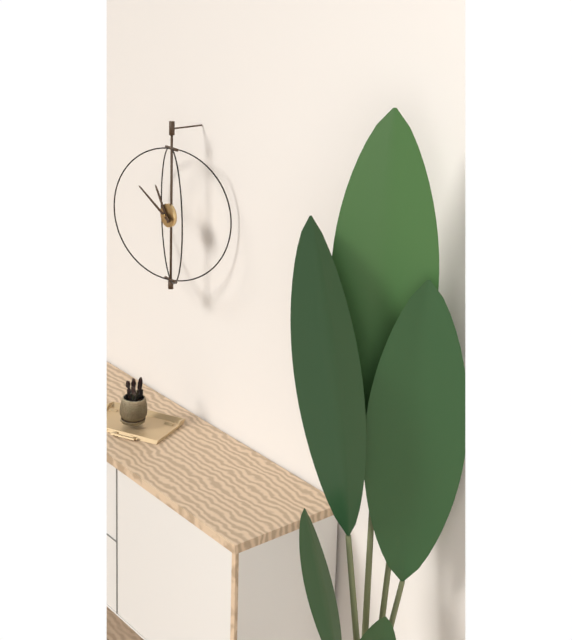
h=10 m=49
